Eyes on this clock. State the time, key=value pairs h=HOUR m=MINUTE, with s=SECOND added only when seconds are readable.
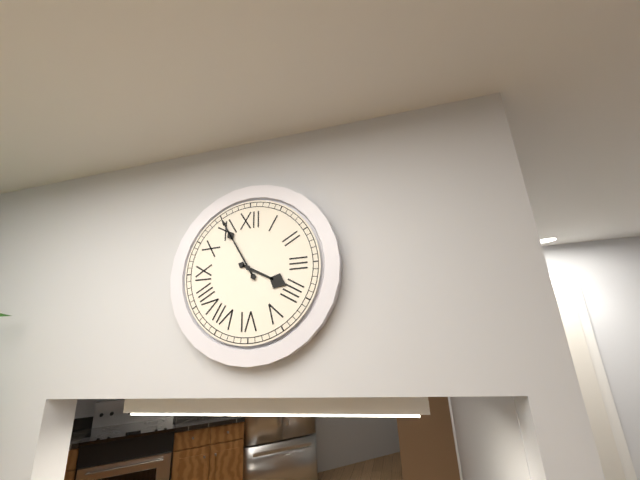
h=3 m=55
